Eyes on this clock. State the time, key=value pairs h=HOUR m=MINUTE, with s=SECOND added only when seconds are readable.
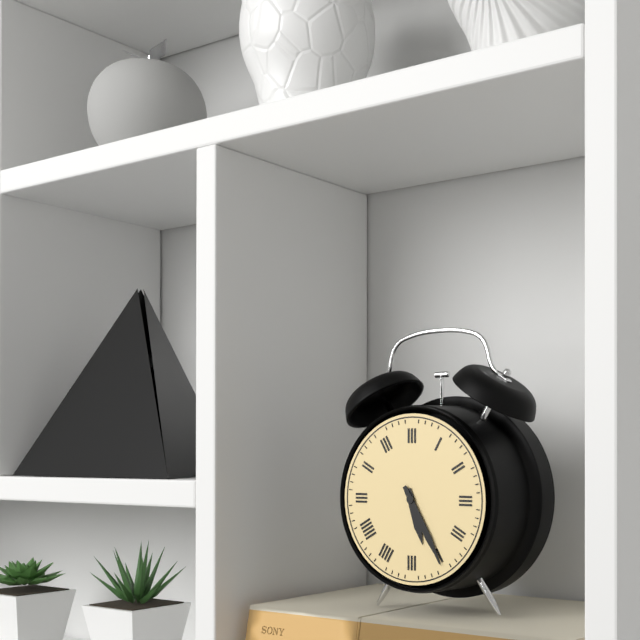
h=5 m=25
